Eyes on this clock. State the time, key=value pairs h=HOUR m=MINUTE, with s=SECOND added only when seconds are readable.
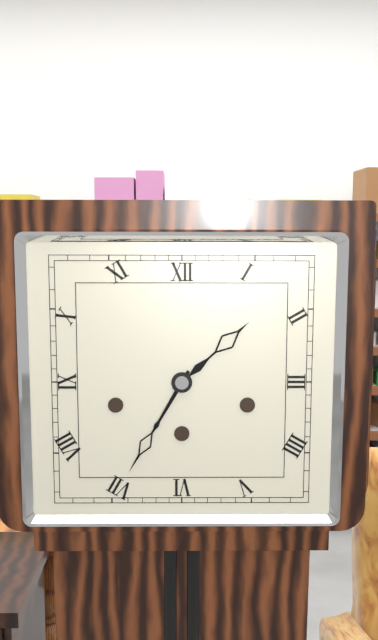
h=1 m=35
